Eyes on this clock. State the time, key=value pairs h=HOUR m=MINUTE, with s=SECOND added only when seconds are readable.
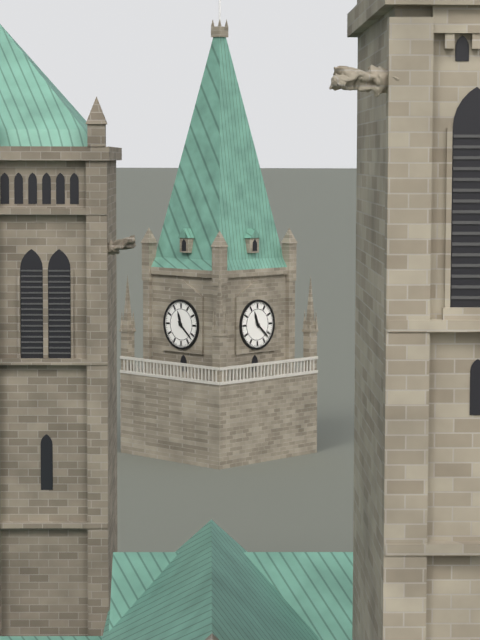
h=11 m=22
